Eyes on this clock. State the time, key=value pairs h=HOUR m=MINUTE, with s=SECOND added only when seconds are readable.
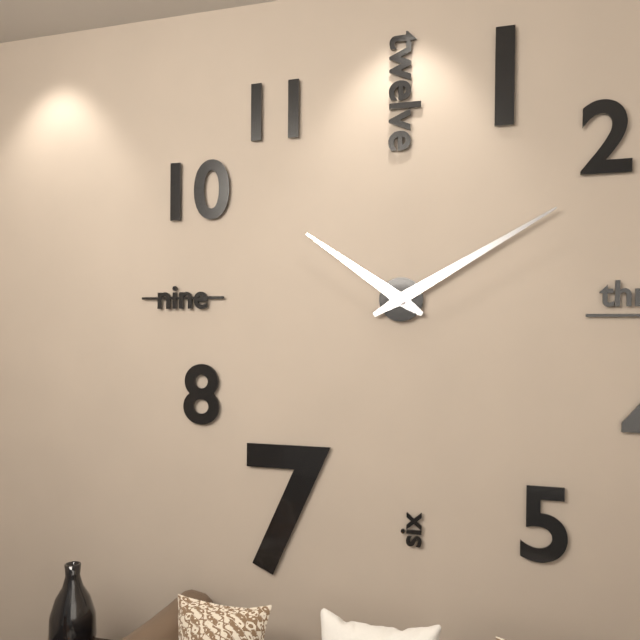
h=10 m=10
